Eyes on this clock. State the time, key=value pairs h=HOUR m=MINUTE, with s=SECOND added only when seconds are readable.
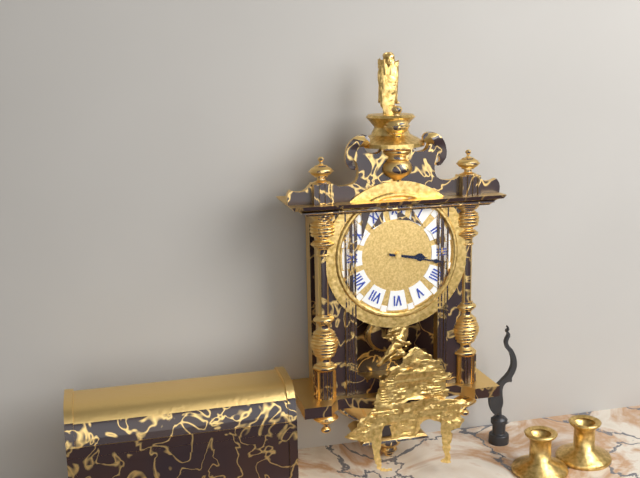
h=3 m=17
